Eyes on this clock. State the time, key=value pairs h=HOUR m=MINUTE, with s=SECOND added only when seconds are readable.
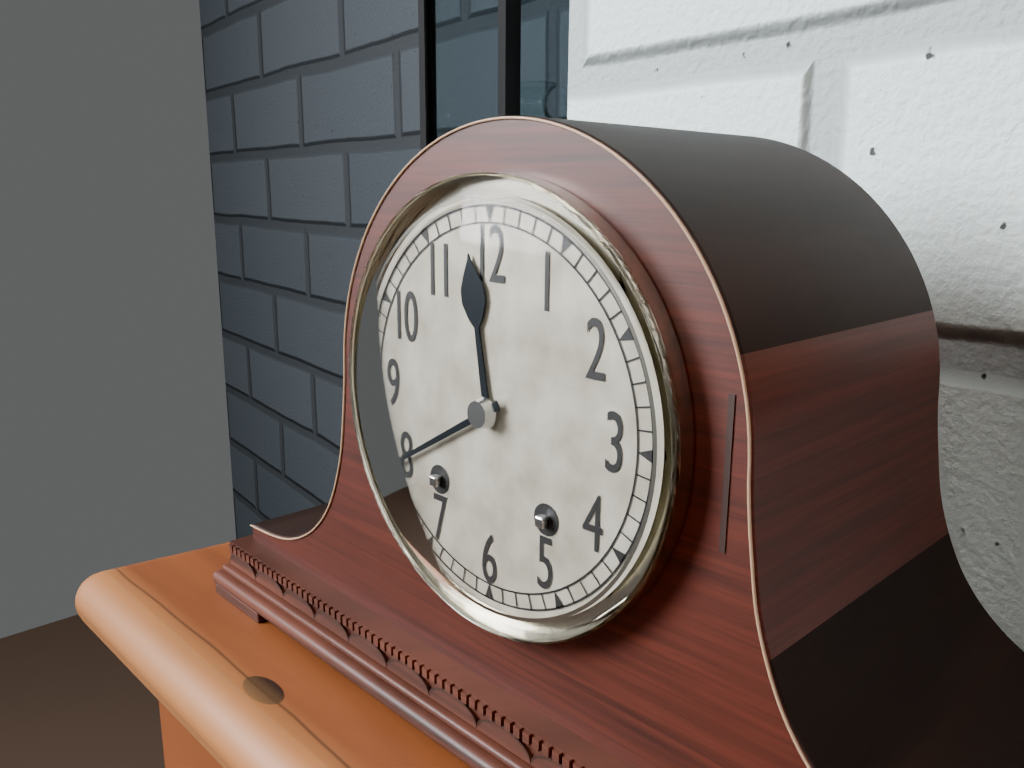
h=11 m=40
